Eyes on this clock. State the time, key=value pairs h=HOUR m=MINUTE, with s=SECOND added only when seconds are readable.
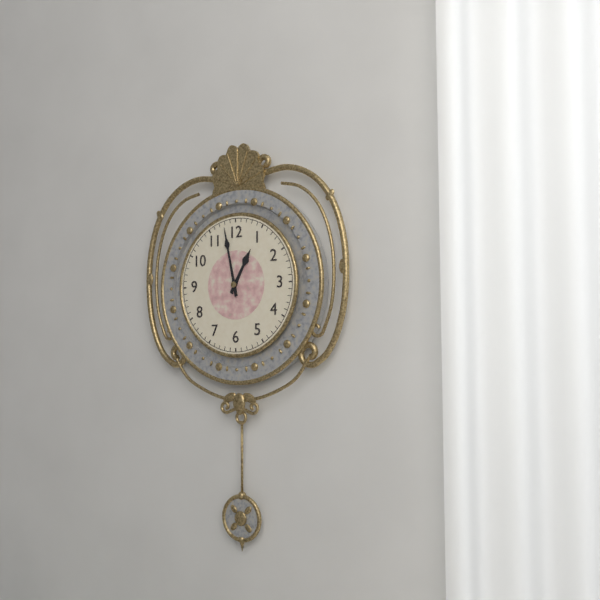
h=12 m=58
